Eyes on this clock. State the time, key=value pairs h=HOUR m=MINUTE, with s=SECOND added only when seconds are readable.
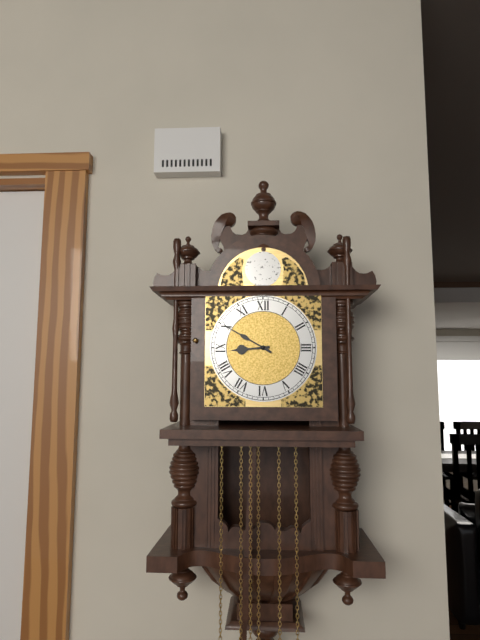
h=8 m=50
